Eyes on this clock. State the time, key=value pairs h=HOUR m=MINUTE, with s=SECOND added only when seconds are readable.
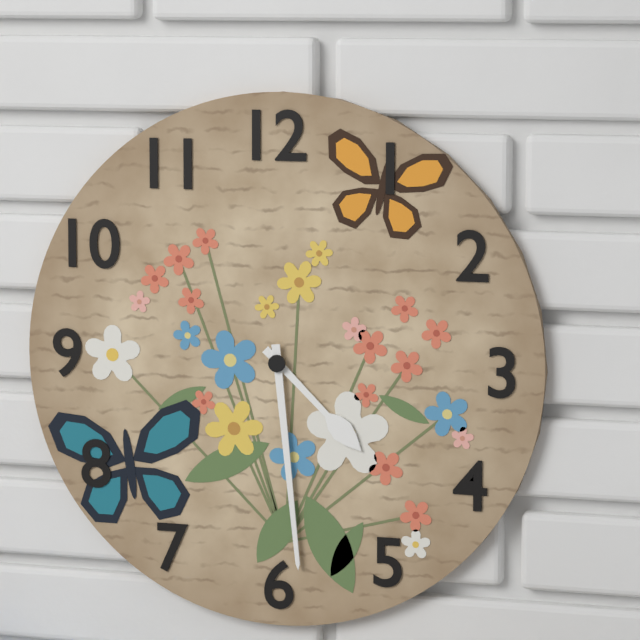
h=4 m=29
